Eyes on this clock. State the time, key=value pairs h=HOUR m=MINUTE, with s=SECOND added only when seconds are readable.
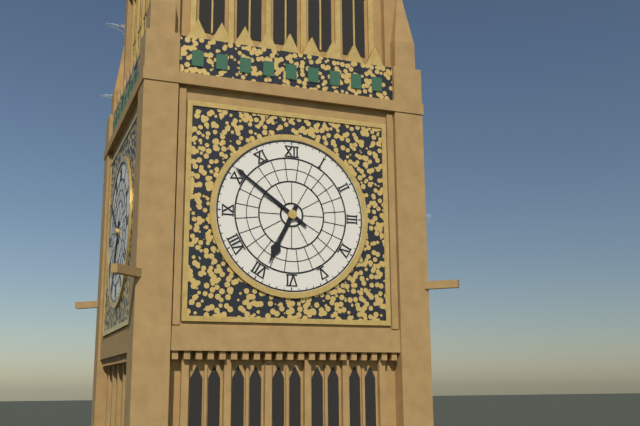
h=6 m=51
